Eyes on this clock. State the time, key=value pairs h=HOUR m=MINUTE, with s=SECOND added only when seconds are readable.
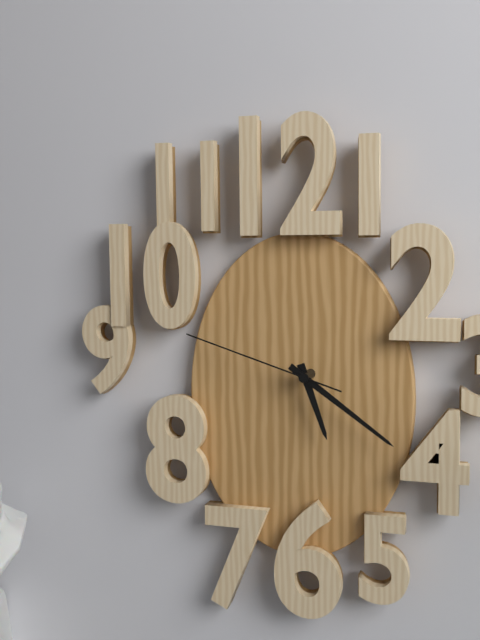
h=5 m=21 s=48
